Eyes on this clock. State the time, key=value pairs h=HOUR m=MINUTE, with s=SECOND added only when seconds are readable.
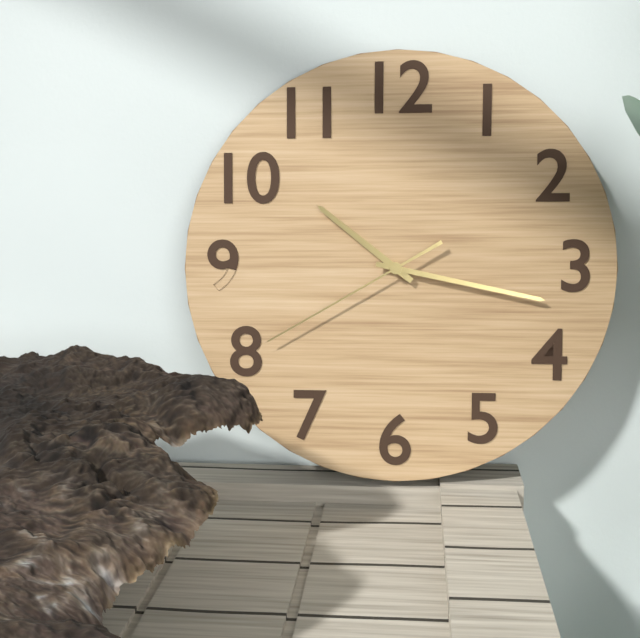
h=10 m=17 s=40
